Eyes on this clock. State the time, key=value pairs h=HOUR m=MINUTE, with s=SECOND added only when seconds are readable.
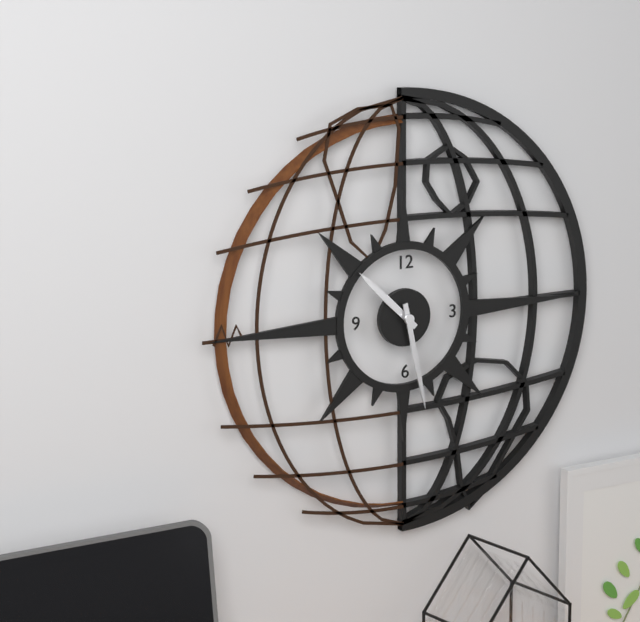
h=10 m=28
